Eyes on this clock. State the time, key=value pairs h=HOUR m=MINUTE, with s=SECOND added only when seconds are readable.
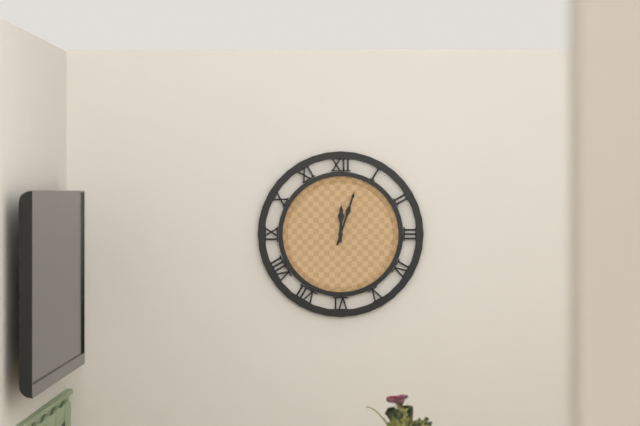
h=12 m=3
